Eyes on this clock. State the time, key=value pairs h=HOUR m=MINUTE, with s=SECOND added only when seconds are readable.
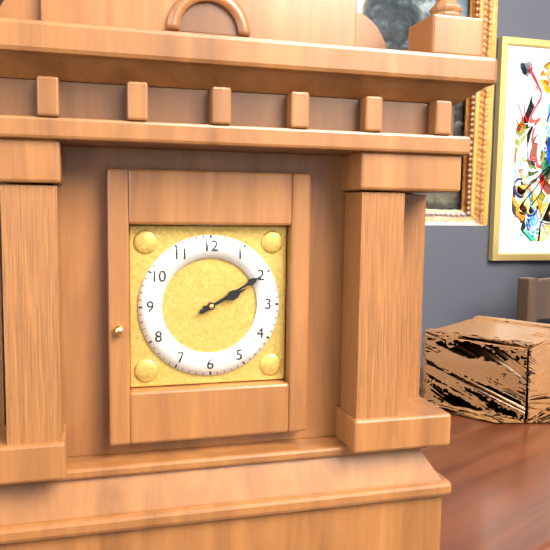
h=2 m=10
